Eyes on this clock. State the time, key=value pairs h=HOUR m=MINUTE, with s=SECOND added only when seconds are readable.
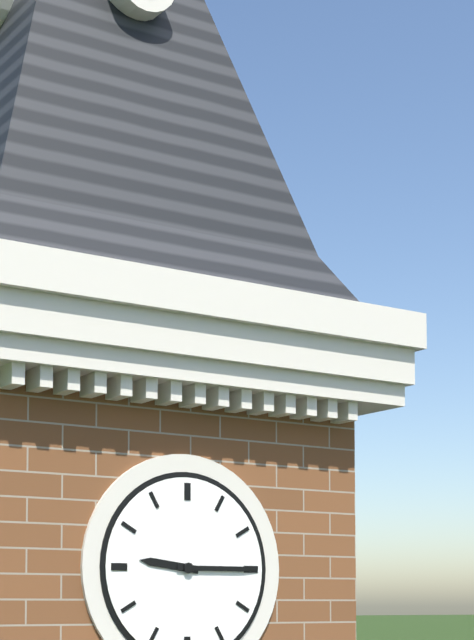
h=9 m=15
